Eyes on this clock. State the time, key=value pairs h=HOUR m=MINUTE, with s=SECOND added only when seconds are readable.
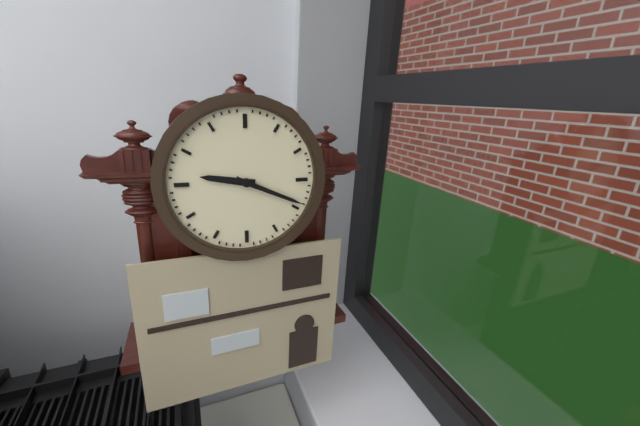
h=9 m=19
